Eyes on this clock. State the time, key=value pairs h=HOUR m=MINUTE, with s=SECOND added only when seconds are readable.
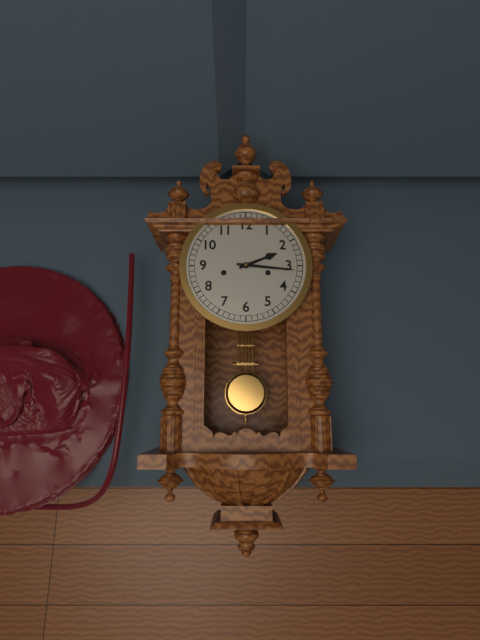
h=2 m=16
